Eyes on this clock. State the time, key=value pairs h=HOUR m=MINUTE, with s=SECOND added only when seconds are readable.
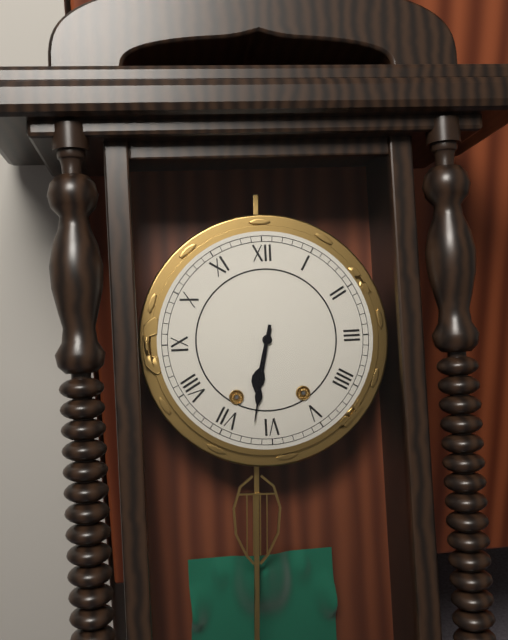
h=6 m=32
